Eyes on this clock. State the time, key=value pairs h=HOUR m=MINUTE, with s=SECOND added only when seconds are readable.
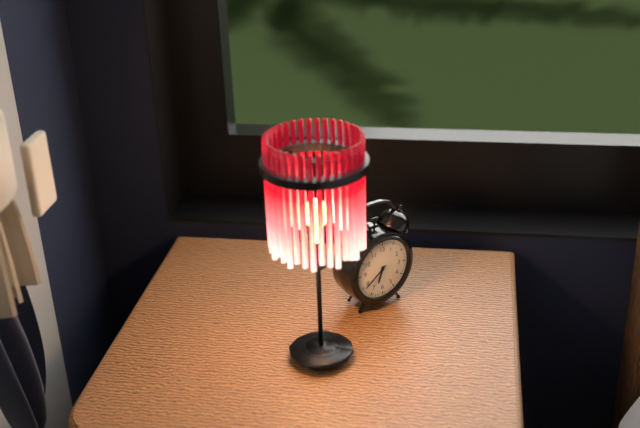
h=6 m=39
